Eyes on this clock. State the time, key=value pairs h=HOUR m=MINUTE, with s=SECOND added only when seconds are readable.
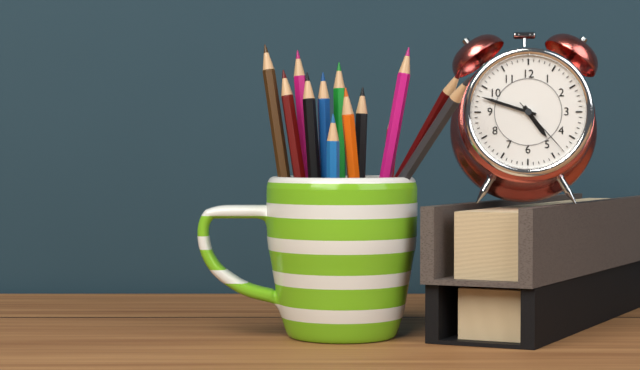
h=4 m=48 s=23
